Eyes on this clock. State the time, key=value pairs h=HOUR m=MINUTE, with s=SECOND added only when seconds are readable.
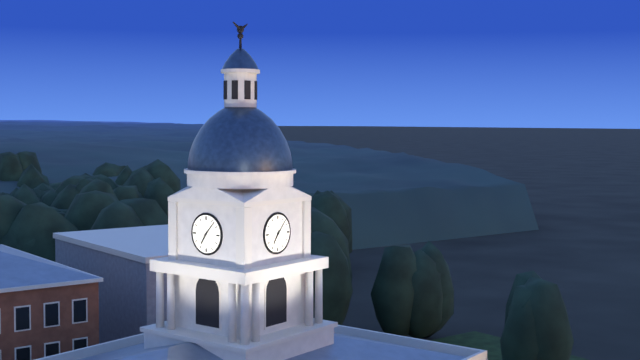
h=7 m=7
